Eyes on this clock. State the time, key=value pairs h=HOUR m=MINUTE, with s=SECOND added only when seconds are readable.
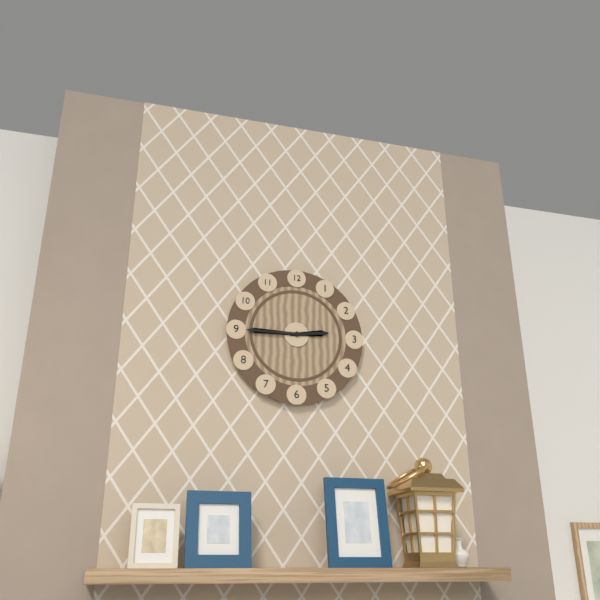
h=2 m=45
